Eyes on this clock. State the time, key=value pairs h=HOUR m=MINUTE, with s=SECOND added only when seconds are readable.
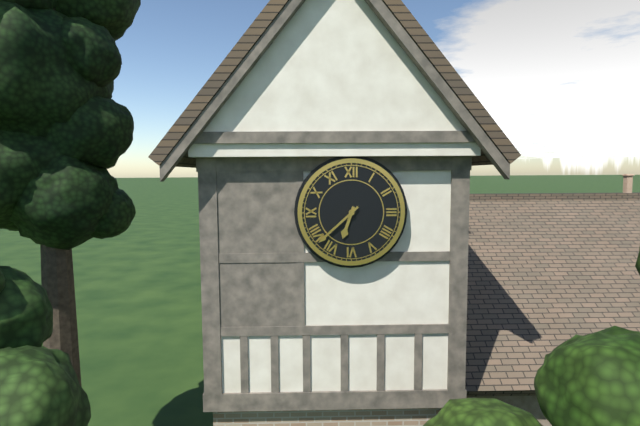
h=6 m=38
